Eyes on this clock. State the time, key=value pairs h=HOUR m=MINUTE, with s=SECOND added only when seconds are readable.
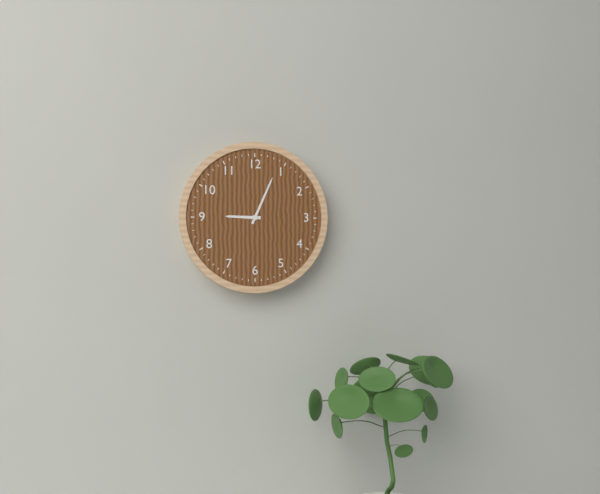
h=9 m=4
